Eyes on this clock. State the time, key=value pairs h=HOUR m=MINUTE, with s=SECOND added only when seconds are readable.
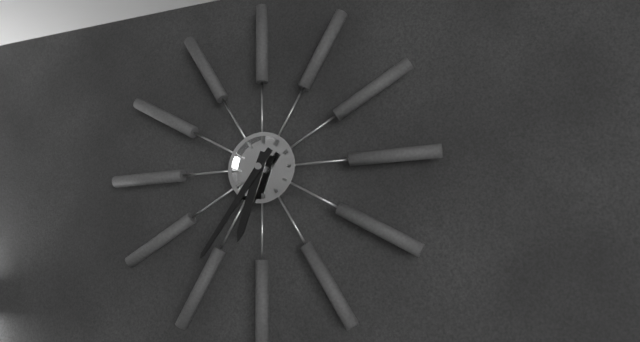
h=6 m=36
